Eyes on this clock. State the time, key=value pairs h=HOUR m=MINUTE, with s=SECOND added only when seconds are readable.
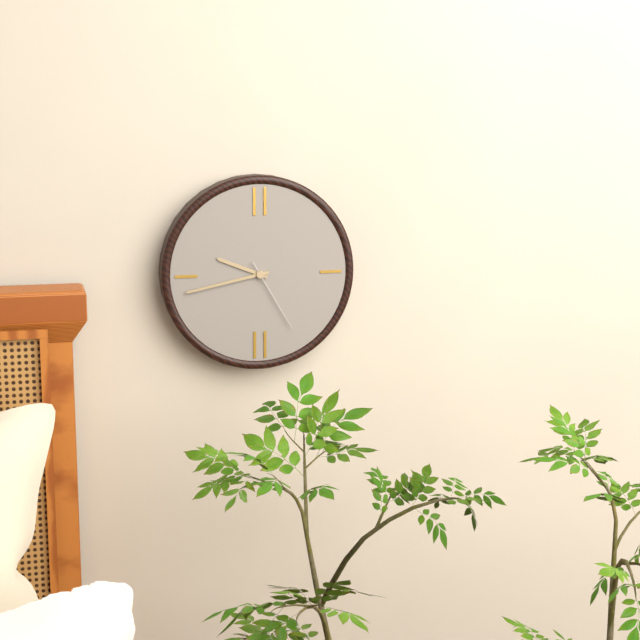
h=9 m=43 s=25
